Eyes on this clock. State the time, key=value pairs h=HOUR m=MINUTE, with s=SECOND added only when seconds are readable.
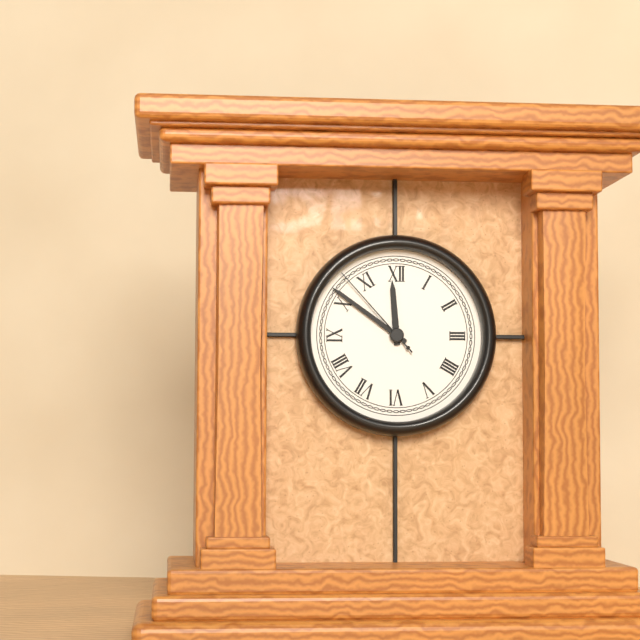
h=11 m=51 s=53
